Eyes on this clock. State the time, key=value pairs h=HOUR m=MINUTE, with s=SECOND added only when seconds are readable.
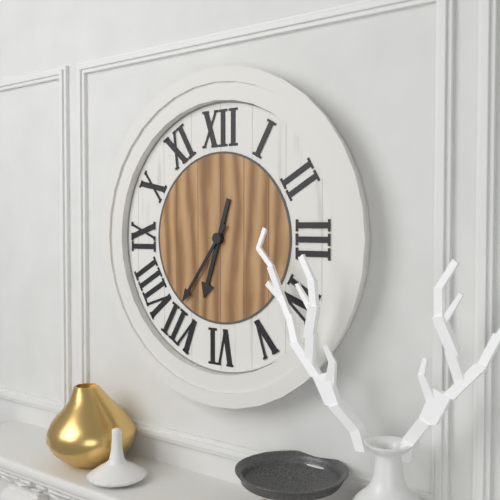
h=6 m=36
